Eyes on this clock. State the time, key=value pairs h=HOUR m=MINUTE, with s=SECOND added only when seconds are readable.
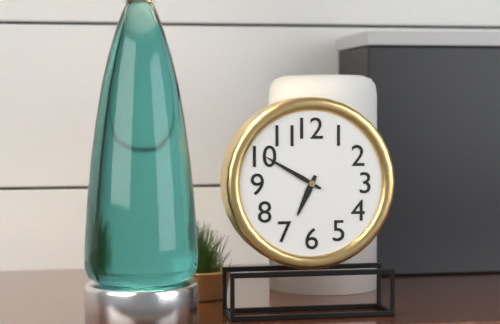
h=6 m=50
